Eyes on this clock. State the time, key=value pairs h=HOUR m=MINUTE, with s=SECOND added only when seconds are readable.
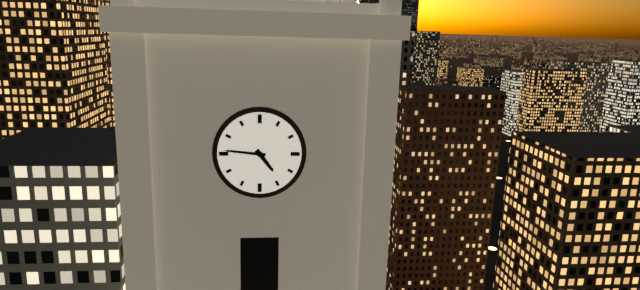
h=4 m=46
